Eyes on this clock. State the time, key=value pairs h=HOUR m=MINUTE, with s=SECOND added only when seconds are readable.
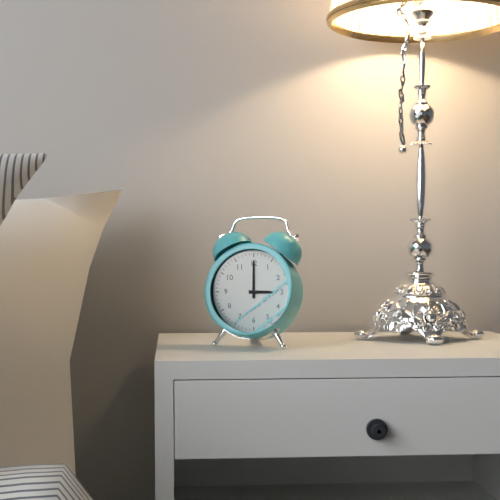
h=3 m=0
